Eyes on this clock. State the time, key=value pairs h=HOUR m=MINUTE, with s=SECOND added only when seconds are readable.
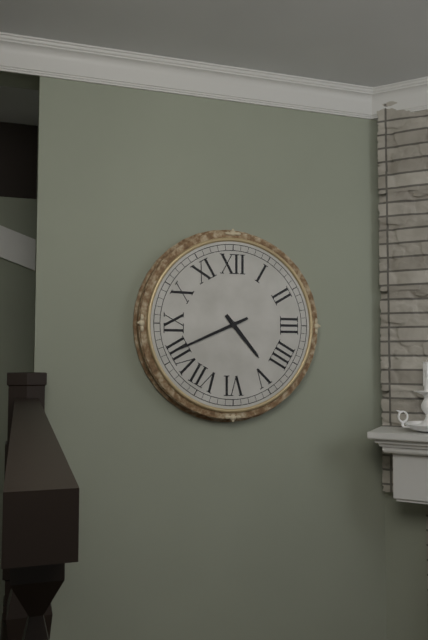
h=4 m=41
